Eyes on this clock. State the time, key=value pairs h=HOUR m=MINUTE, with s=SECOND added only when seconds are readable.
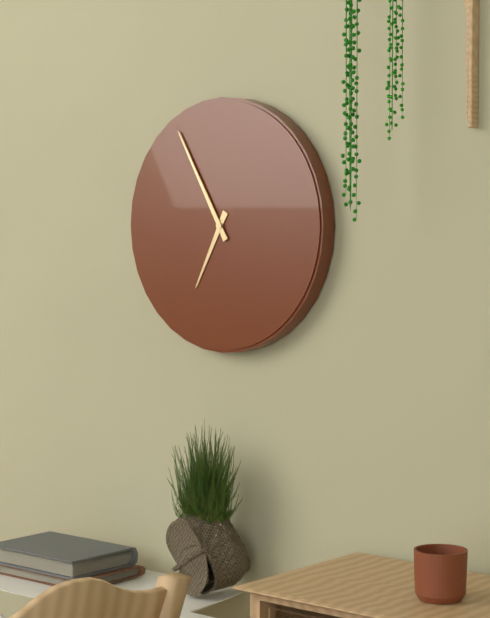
h=6 m=55
